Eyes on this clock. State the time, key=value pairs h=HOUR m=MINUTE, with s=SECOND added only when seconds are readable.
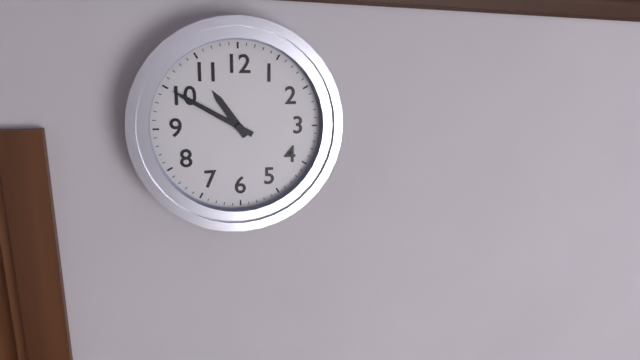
h=10 m=50
